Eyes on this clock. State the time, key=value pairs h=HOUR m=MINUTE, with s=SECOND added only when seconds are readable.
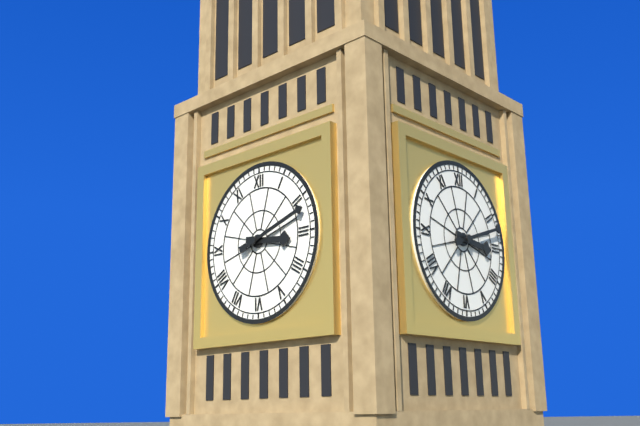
h=3 m=12
